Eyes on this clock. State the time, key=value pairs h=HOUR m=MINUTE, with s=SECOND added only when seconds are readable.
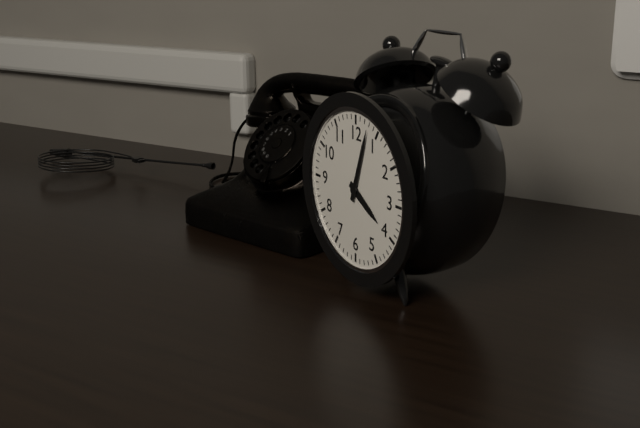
h=4 m=3
